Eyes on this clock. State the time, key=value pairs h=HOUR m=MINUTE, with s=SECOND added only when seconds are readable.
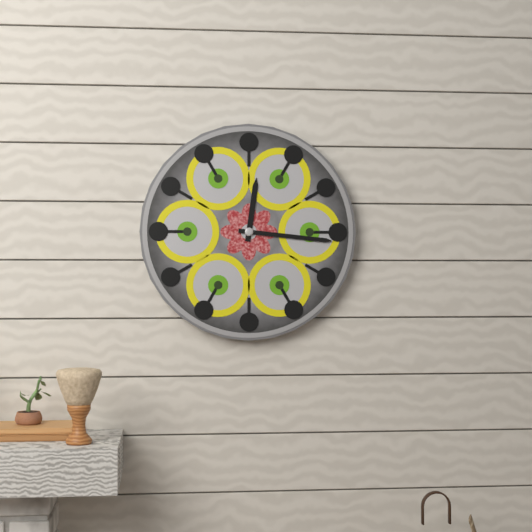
h=12 m=16
